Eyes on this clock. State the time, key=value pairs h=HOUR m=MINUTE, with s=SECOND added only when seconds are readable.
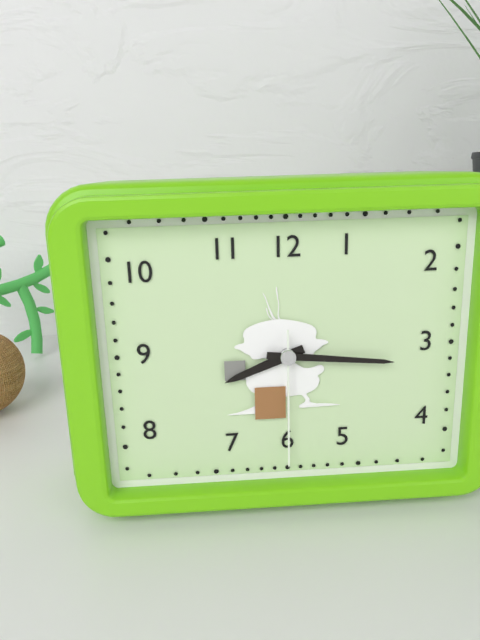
h=8 m=16 s=30
